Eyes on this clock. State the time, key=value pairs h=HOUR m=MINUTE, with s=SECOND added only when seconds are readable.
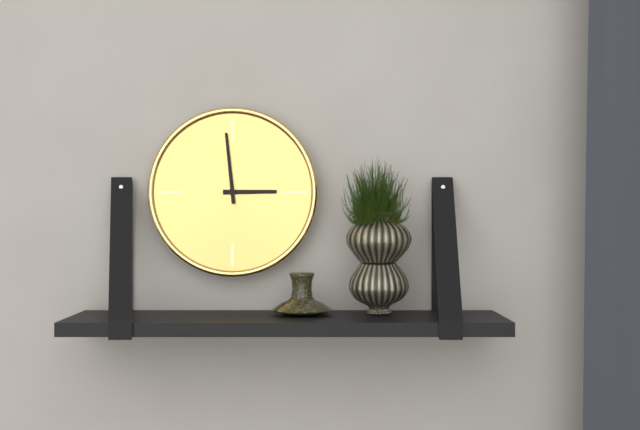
h=2 m=59
